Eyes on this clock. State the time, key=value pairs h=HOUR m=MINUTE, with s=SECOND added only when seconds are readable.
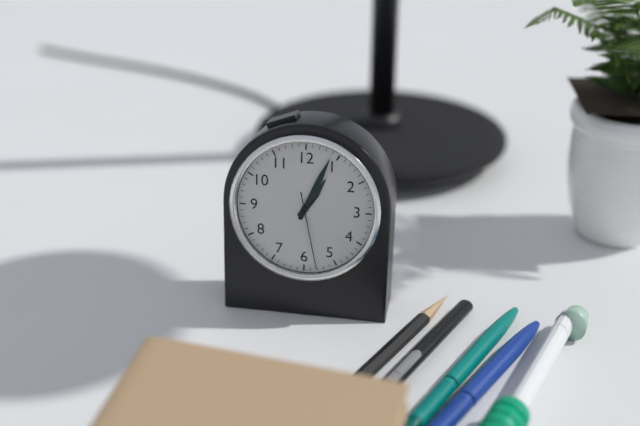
h=1 m=4 s=28
